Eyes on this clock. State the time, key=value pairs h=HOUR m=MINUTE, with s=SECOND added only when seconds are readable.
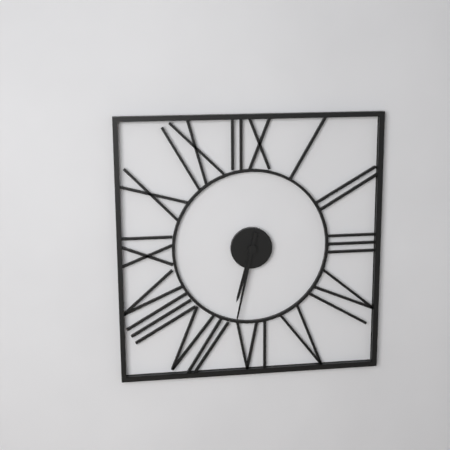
h=6 m=32
